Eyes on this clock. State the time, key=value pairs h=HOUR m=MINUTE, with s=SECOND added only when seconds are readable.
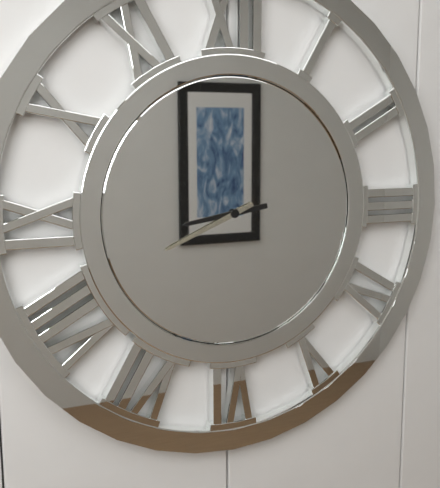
h=8 m=41
